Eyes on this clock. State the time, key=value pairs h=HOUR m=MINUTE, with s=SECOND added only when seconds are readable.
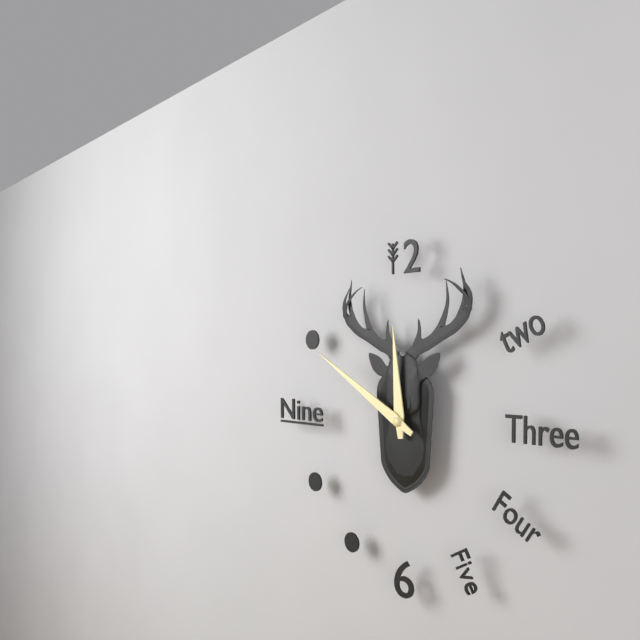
h=11 m=50
